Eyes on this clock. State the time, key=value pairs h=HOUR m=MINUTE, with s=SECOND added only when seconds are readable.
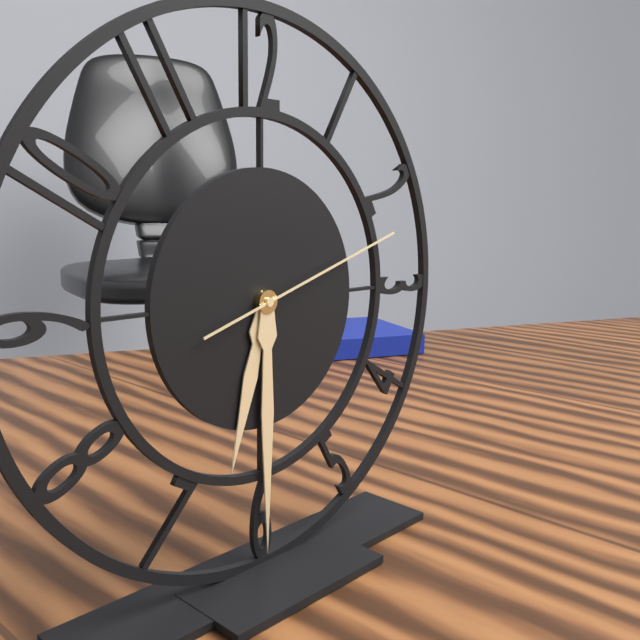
h=6 m=30 s=12
